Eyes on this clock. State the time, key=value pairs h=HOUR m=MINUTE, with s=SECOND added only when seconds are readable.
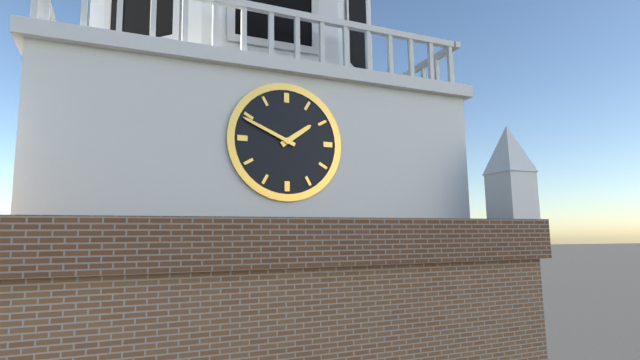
h=1 m=49
